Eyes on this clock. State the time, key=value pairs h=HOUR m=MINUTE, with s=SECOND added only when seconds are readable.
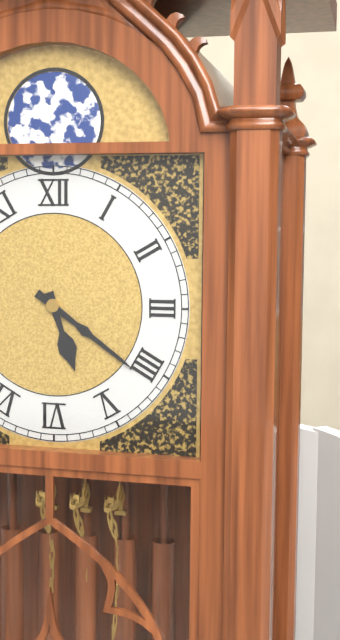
h=5 m=21
